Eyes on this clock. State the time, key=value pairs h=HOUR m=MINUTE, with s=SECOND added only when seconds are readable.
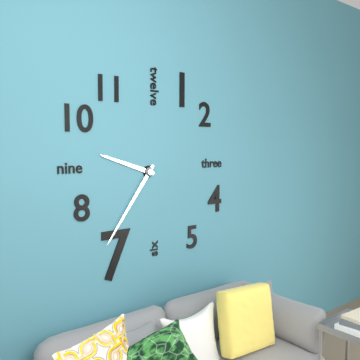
h=9 m=36
